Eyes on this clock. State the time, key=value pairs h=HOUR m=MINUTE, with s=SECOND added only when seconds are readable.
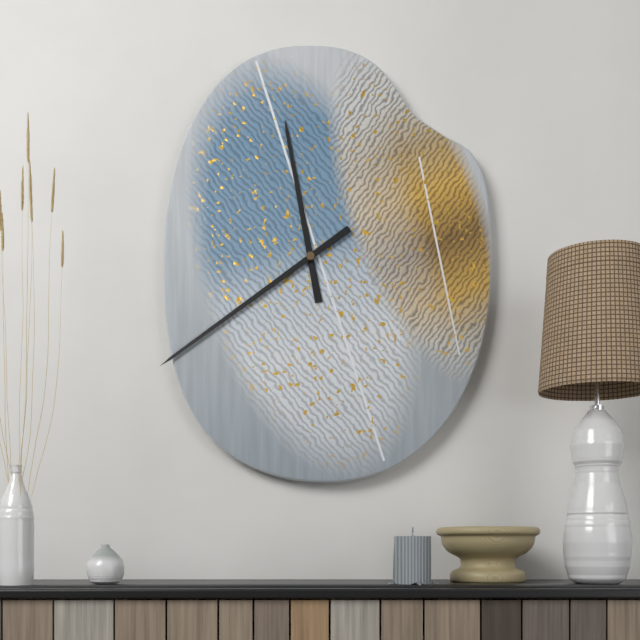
h=11 m=39
